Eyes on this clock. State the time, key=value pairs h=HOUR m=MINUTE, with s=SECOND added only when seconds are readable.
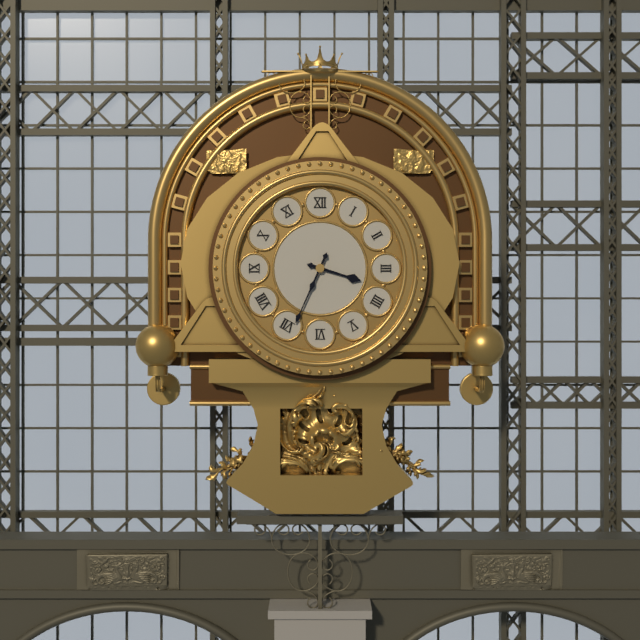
h=3 m=34
